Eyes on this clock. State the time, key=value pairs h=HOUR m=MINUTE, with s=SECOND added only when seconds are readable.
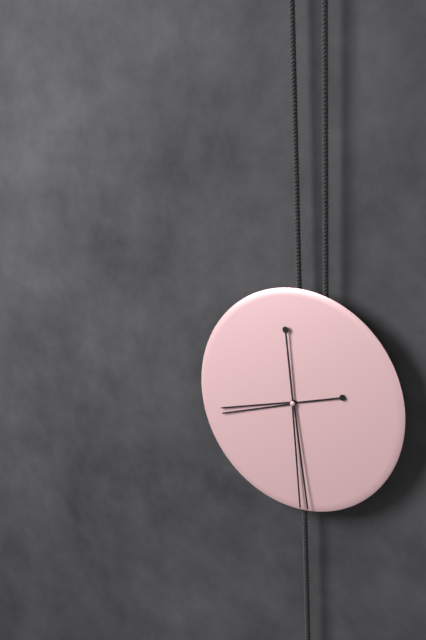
h=8 m=29
